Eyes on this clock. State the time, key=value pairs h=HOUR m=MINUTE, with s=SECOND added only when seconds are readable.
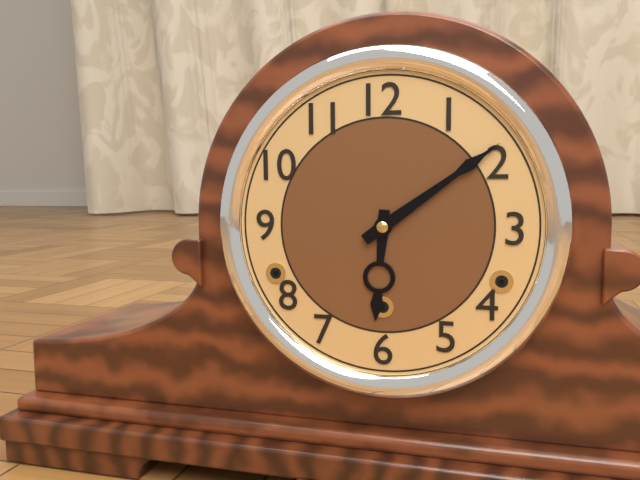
h=6 m=9
